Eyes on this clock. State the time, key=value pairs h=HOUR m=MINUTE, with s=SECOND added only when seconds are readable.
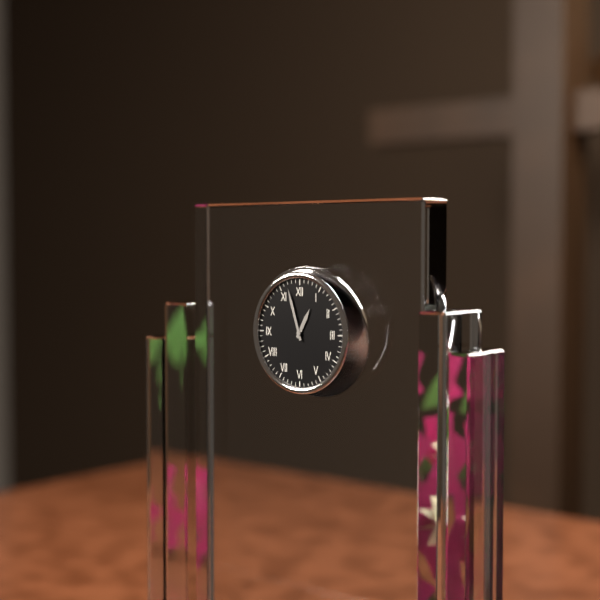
h=12 m=57
